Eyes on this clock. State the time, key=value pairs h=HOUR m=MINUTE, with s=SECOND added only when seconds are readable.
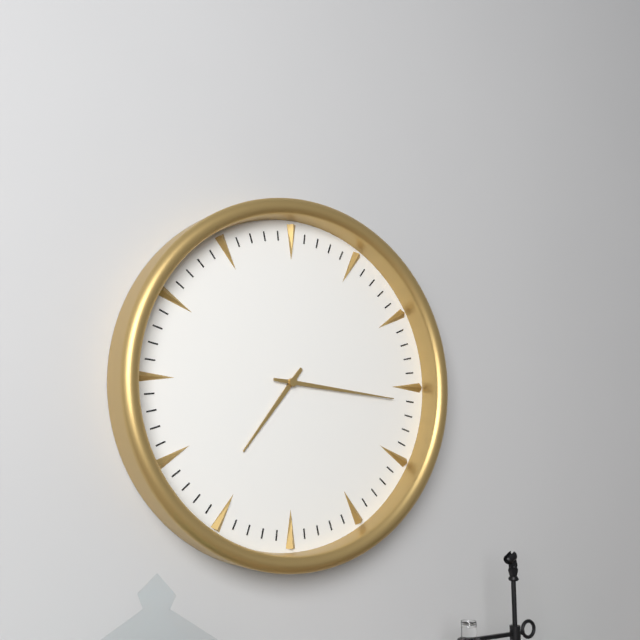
h=7 m=16
